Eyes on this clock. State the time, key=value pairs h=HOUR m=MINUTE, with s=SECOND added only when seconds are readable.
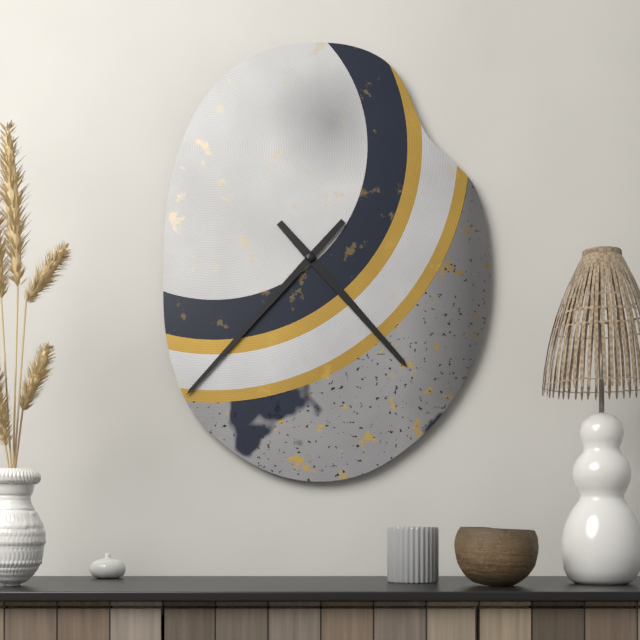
h=4 m=37
